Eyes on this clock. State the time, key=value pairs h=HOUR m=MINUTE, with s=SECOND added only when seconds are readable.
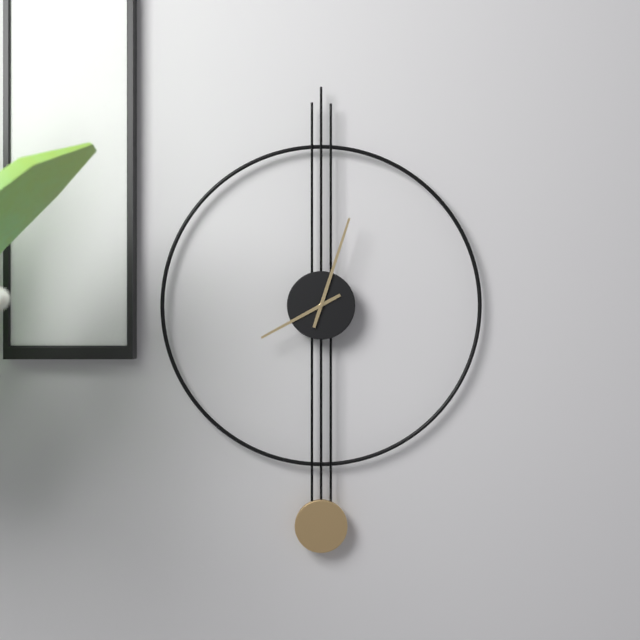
h=8 m=3
